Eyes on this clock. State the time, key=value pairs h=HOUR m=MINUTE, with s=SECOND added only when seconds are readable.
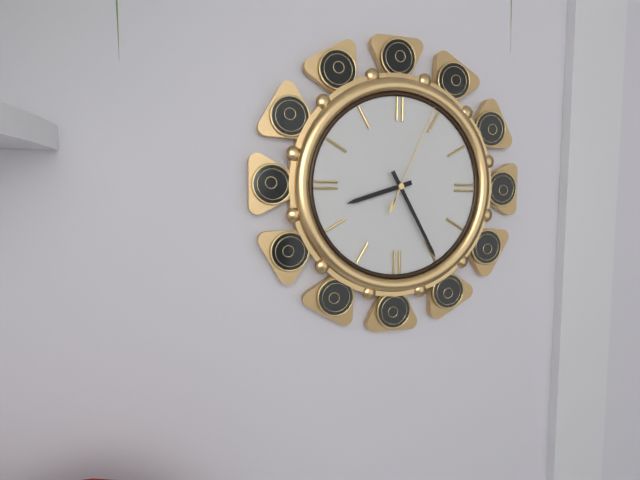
h=8 m=25 s=4
